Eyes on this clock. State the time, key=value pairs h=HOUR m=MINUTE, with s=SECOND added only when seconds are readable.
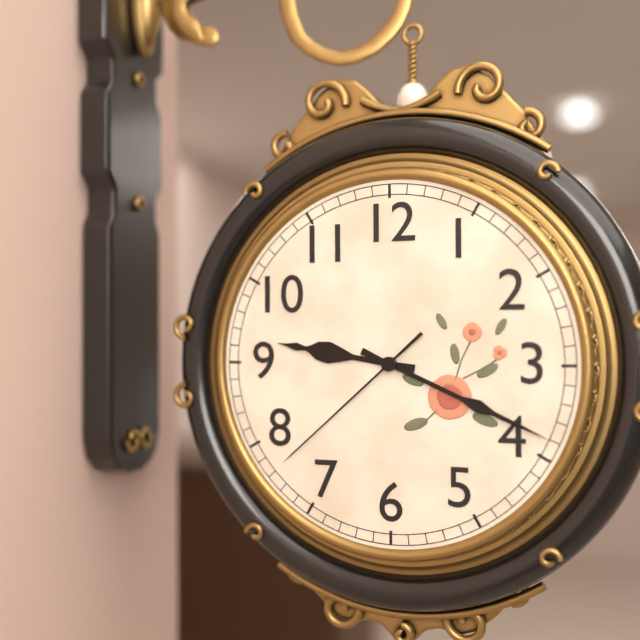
h=9 m=19 s=38
